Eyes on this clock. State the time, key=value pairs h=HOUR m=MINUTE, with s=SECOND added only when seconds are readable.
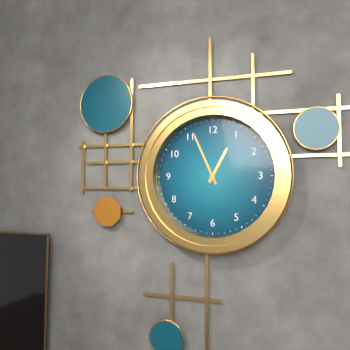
h=12 m=56
